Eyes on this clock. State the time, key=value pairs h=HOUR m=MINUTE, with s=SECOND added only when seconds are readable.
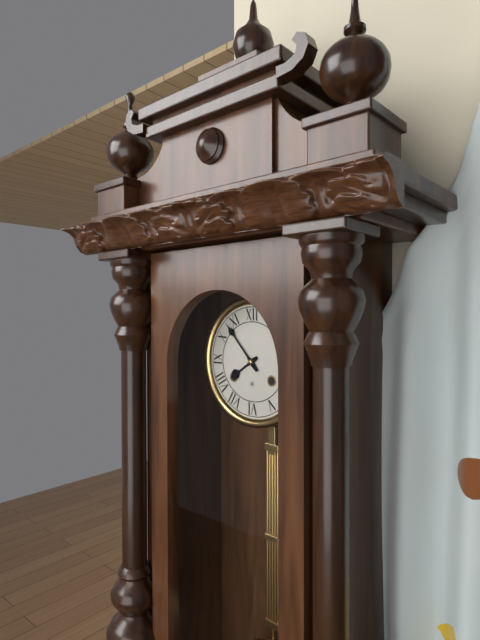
h=7 m=53
